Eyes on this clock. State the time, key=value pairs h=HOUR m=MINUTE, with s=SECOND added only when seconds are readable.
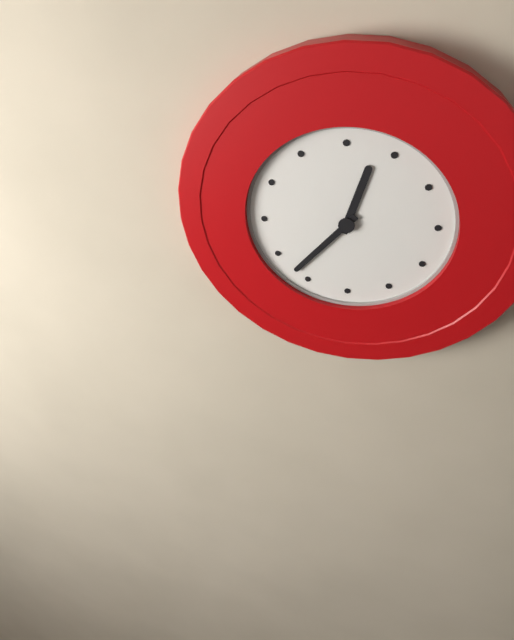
h=12 m=37
